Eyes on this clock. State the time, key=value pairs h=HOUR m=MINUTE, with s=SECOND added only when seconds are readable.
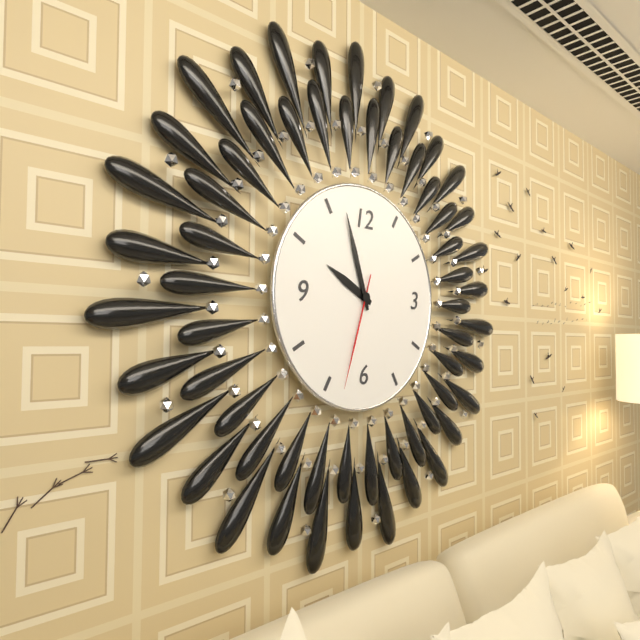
h=9 m=57 s=33
